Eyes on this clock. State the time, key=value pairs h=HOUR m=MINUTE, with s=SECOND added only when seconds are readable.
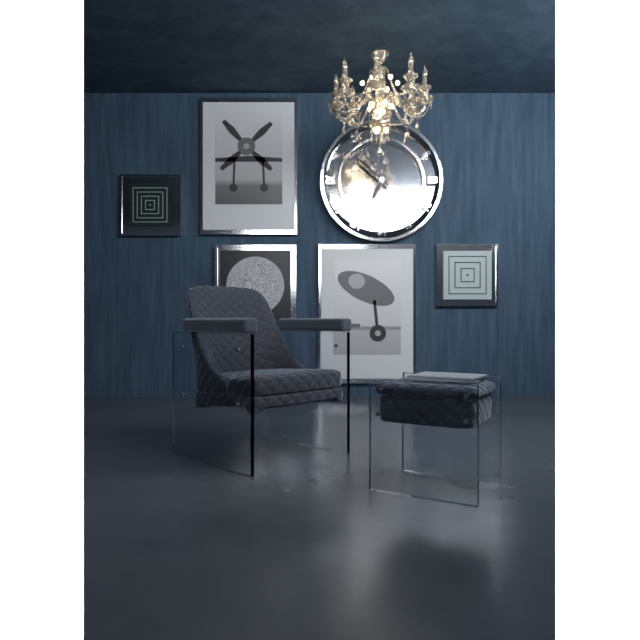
h=6 m=52
